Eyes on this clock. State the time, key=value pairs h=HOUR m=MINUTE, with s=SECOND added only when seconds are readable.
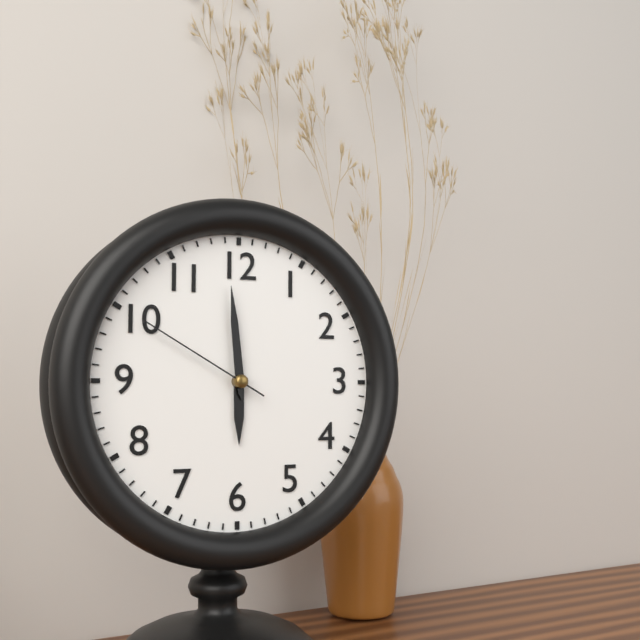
h=5 m=59 s=50
